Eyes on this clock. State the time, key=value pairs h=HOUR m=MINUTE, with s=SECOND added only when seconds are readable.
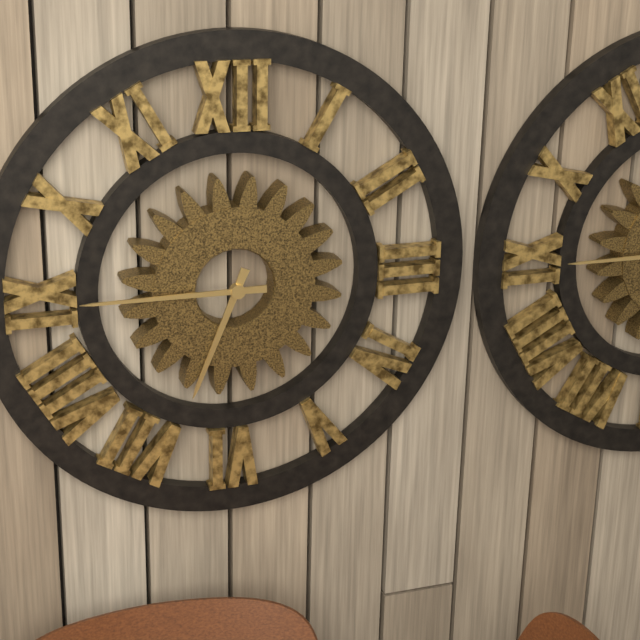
h=6 m=45
